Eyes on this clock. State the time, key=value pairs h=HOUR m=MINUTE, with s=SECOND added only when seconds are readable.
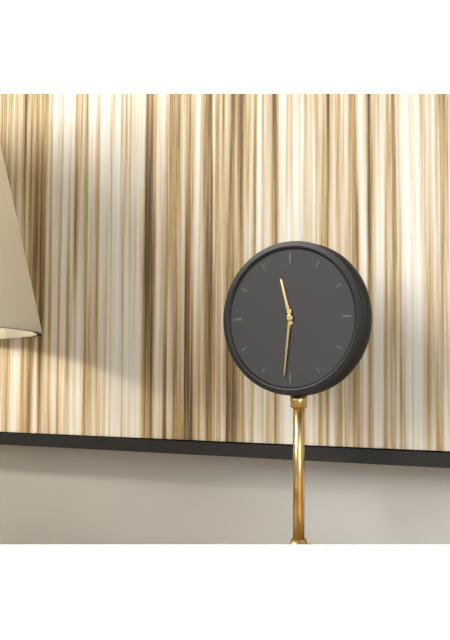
h=11 m=31
